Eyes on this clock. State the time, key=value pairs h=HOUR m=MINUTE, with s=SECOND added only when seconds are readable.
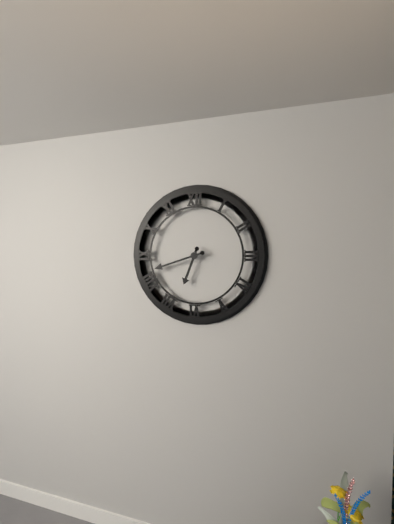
h=6 m=42
